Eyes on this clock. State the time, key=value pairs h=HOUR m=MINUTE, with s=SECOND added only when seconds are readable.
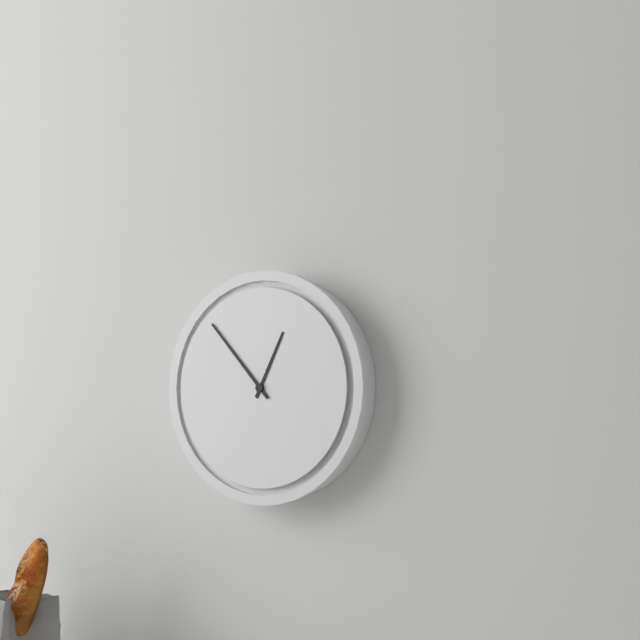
h=12 m=53
